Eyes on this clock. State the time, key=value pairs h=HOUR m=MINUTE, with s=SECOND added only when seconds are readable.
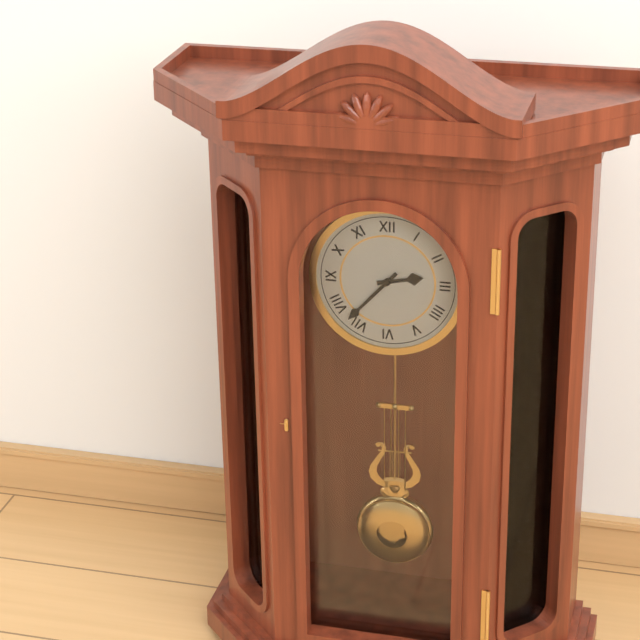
h=2 m=37
